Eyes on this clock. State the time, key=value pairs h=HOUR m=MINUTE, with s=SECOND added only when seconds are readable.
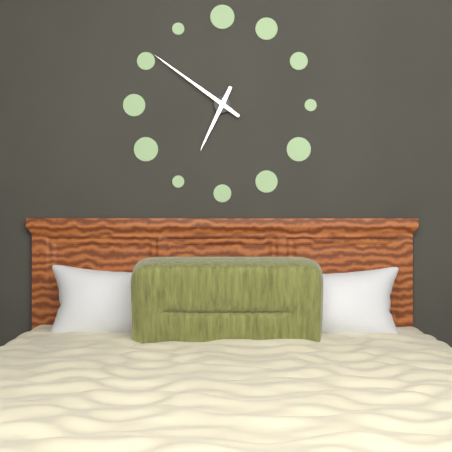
h=6 m=51
